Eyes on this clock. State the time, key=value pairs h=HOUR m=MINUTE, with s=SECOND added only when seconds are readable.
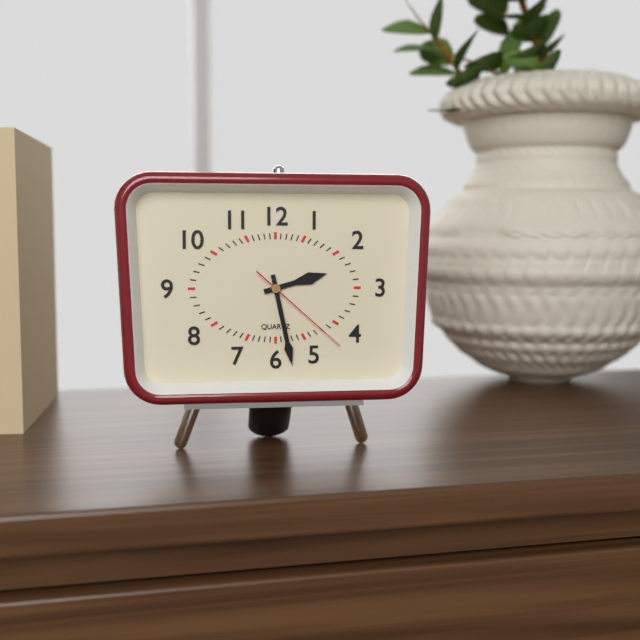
h=2 m=28 s=22
